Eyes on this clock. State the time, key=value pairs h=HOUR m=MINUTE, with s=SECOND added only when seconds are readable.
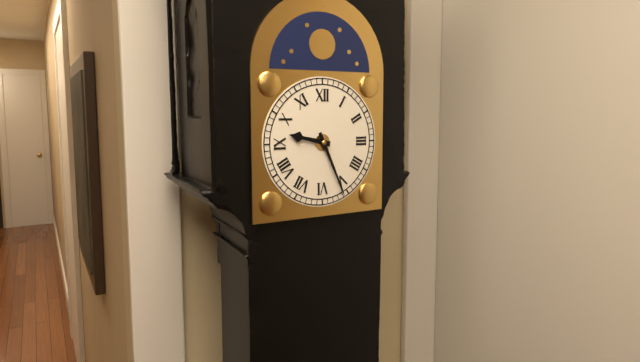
h=9 m=26
